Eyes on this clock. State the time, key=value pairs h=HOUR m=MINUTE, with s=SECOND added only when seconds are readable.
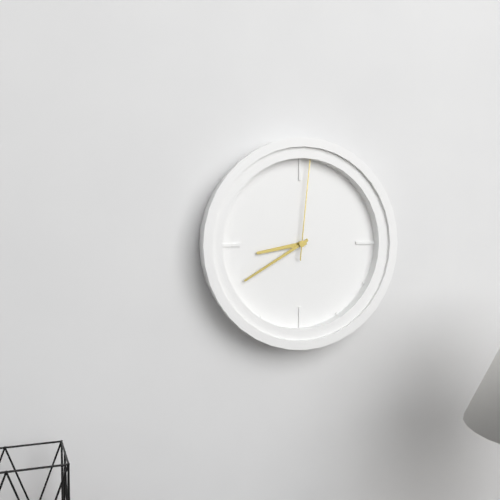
h=8 m=40 s=1
